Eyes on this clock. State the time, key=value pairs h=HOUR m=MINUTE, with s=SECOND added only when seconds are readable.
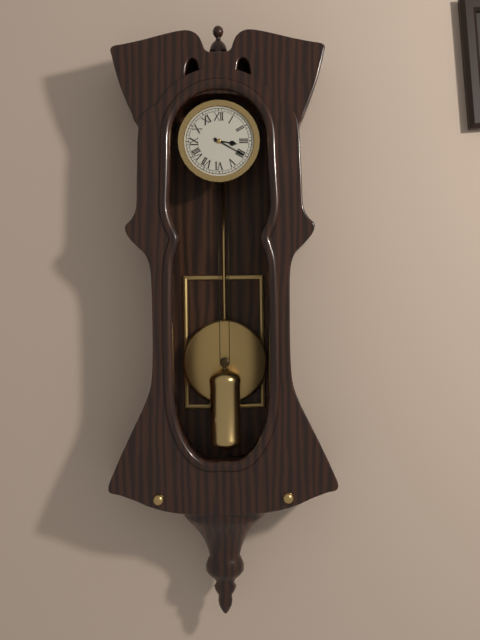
h=3 m=20
